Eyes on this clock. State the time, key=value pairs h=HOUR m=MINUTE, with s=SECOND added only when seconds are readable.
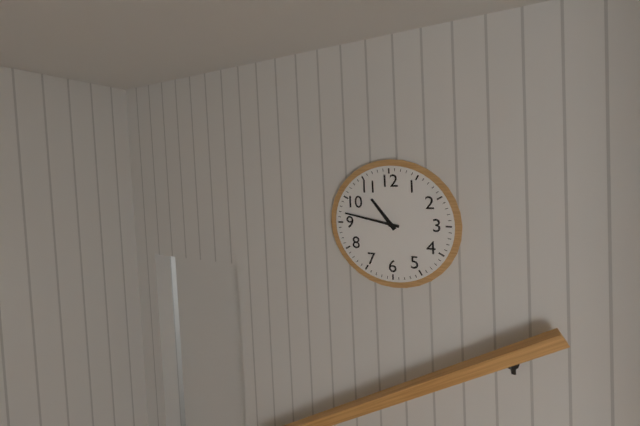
h=10 m=47
